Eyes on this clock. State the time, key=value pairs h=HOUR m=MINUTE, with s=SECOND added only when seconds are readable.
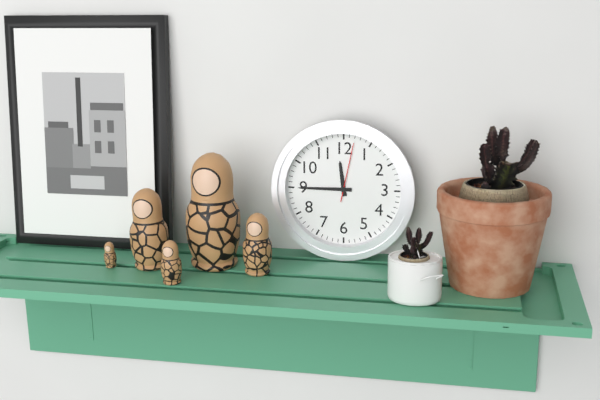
h=11 m=45 s=2
